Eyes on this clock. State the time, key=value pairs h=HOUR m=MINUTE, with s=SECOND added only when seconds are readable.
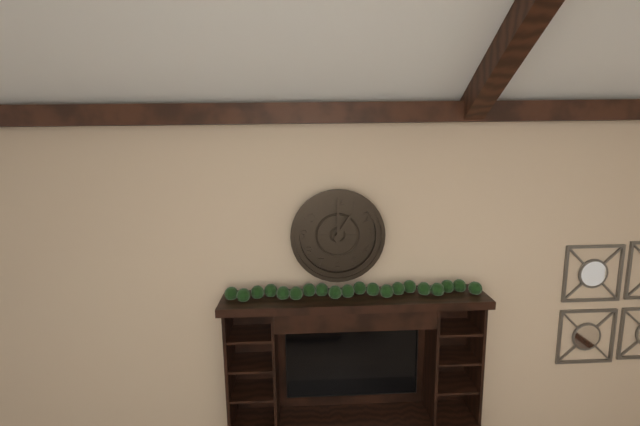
h=1 m=0
